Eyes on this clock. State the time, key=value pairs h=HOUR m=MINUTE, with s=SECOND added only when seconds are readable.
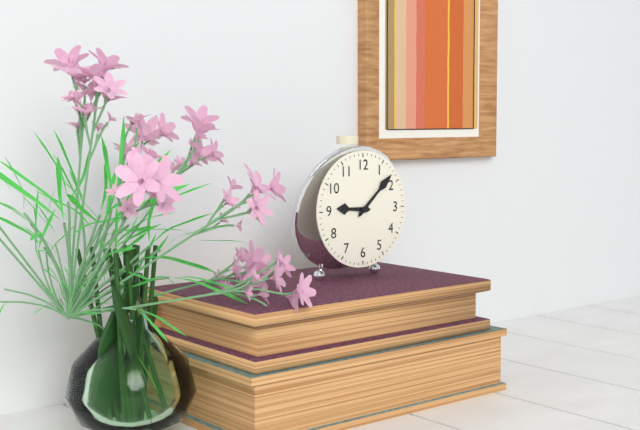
h=9 m=8
